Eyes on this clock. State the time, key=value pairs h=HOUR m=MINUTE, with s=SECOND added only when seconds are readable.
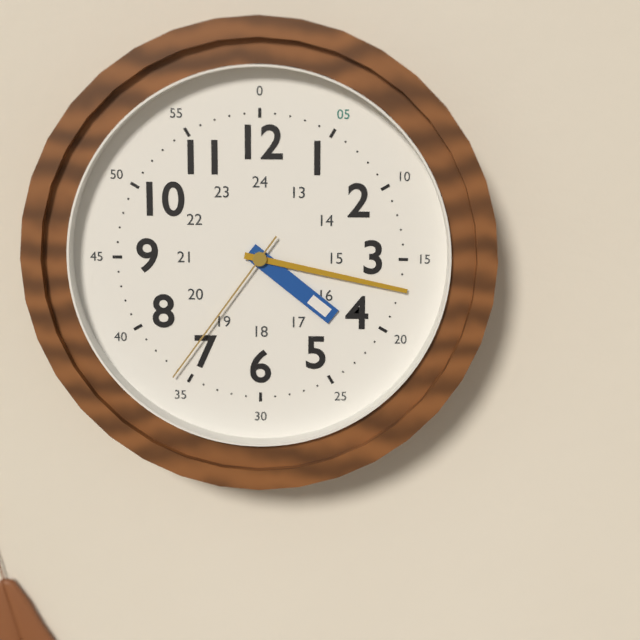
h=4 m=17 s=36
